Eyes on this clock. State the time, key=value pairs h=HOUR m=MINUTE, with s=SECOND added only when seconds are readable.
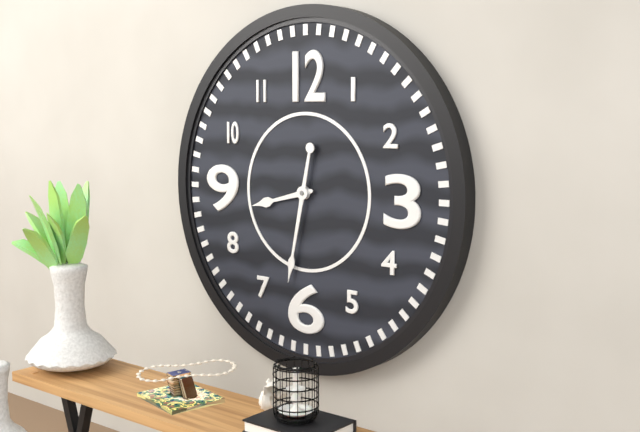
h=8 m=32
